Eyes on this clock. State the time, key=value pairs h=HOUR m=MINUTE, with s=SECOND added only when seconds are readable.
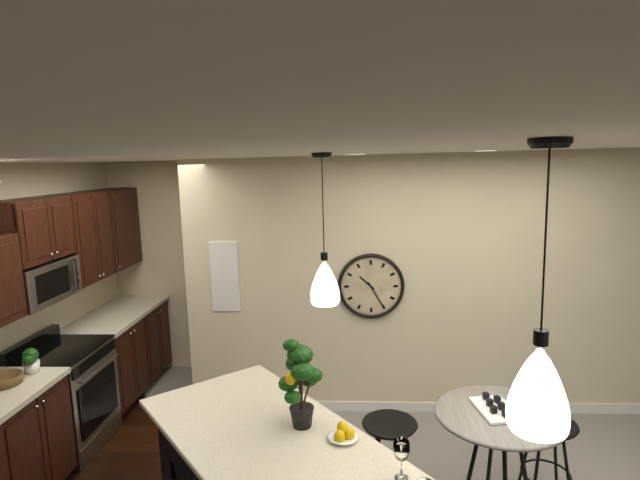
h=10 m=25
